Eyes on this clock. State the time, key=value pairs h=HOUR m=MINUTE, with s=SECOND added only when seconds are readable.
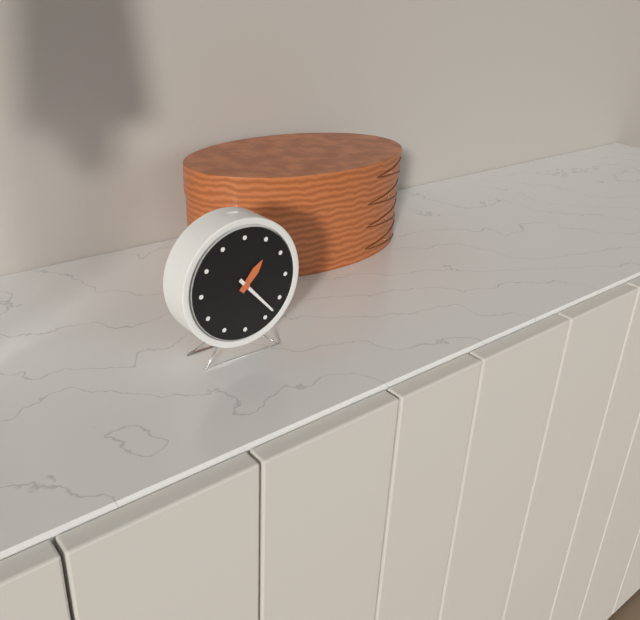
h=1 m=23
